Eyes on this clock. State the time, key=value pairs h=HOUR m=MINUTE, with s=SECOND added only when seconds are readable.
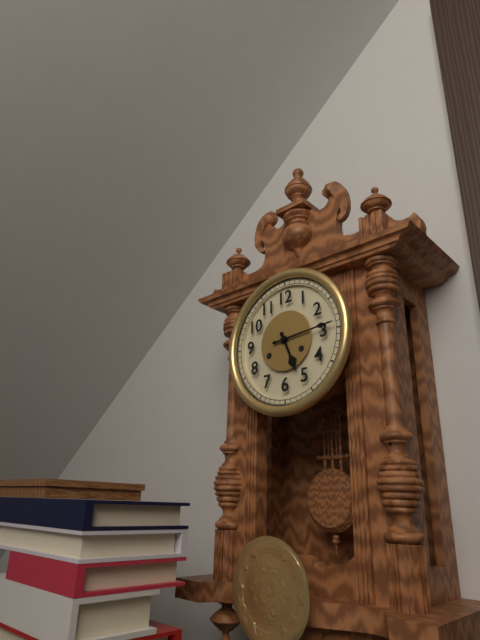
h=5 m=14
